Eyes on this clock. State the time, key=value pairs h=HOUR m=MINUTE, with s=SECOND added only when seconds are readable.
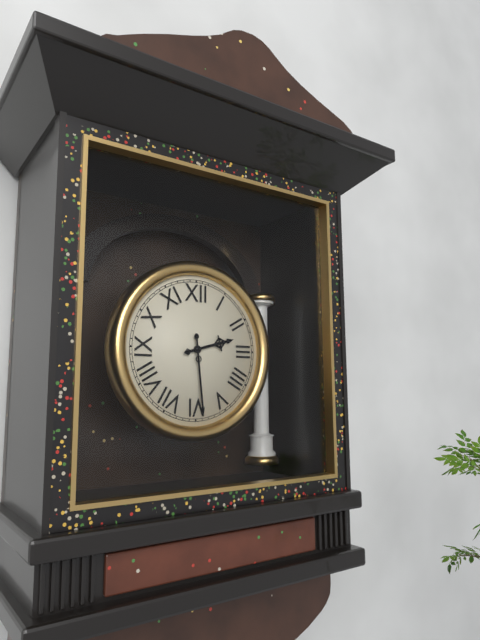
h=2 m=29
